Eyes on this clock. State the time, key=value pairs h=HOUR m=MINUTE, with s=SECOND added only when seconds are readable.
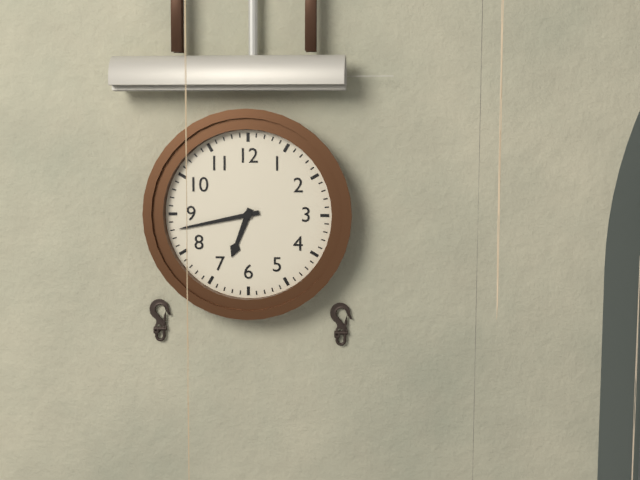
h=6 m=43
